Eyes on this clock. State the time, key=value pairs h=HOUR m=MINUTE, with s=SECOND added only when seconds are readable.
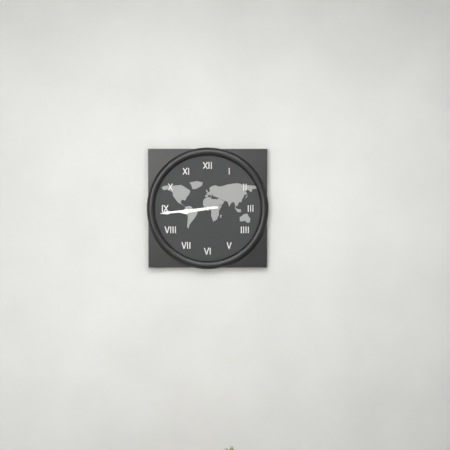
h=8 m=44
